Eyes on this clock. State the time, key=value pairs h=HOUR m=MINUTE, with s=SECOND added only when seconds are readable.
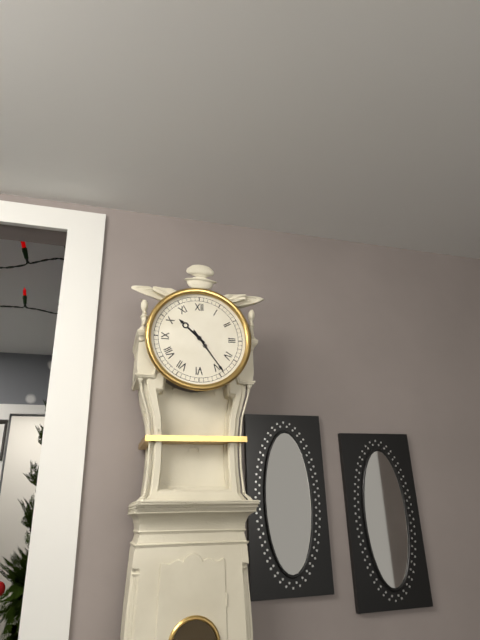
h=10 m=24
